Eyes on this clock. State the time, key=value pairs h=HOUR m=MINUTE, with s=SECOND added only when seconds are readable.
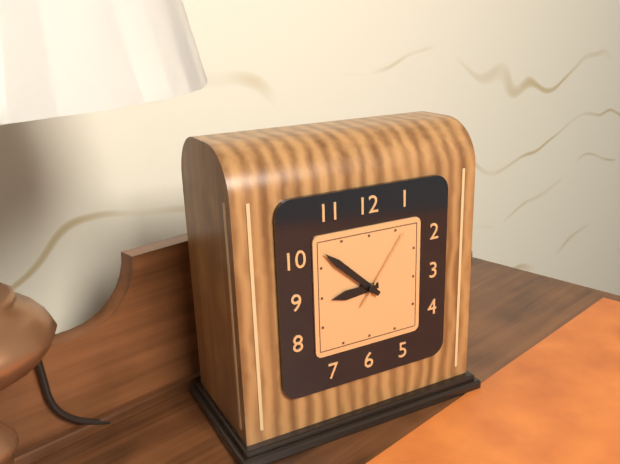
h=8 m=52 s=6
